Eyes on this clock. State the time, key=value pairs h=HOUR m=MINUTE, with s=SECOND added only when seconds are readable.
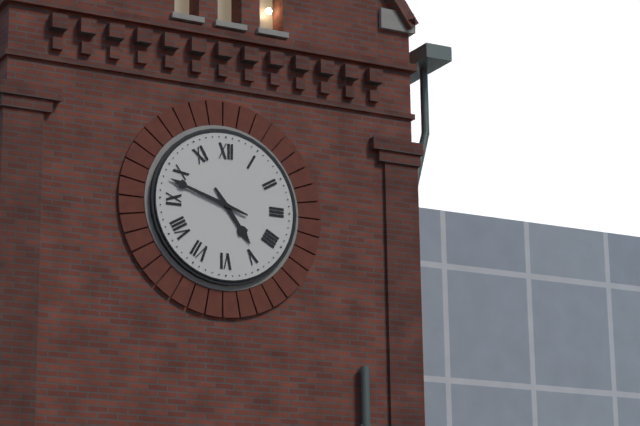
h=4 m=48
